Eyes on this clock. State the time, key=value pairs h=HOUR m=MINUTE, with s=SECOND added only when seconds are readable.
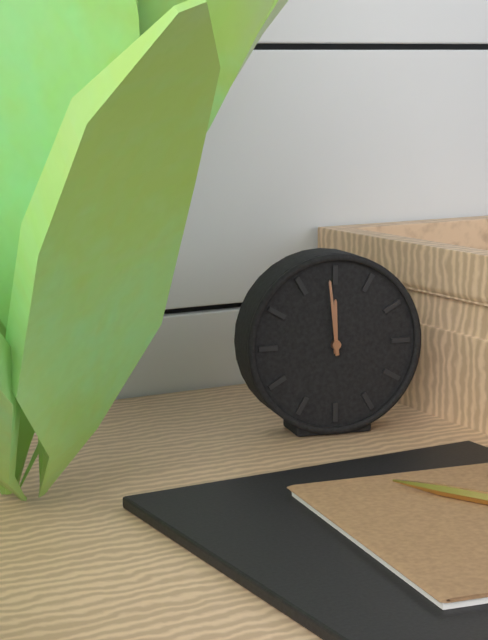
h=11 m=59
